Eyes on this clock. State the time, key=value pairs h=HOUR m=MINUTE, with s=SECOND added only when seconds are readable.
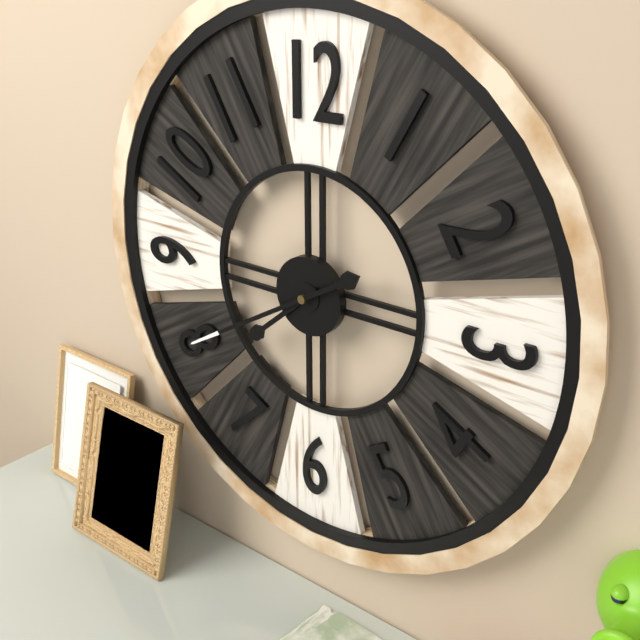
h=7 m=40
